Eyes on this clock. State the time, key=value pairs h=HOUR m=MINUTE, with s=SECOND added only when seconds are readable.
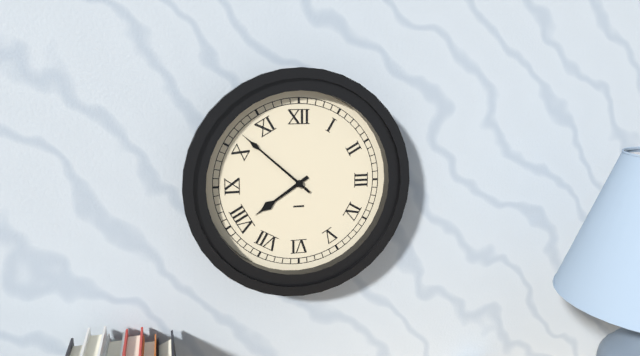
h=7 m=52
